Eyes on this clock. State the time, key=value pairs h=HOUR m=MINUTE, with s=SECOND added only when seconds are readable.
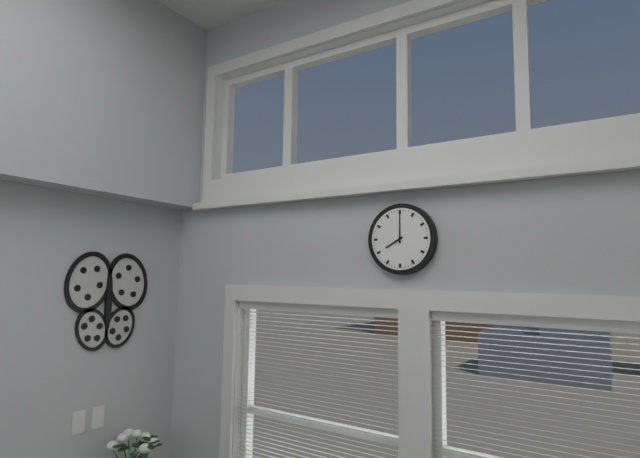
h=8 m=0
